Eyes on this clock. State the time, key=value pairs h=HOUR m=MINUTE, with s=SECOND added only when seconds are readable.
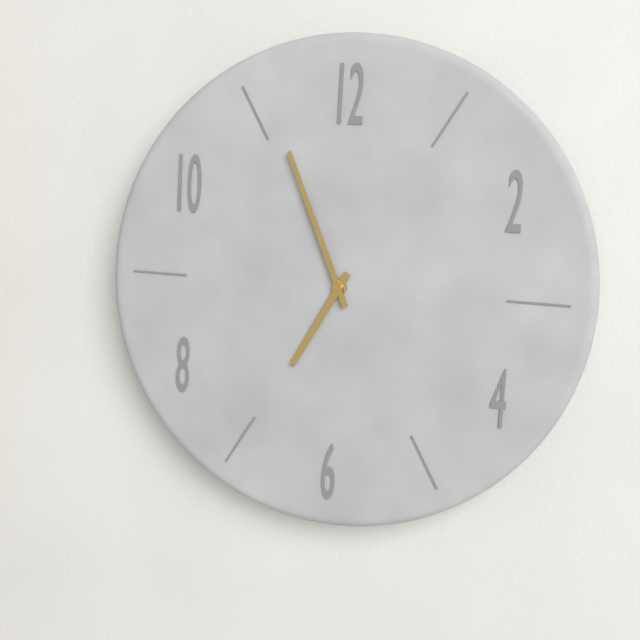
h=6 m=56
